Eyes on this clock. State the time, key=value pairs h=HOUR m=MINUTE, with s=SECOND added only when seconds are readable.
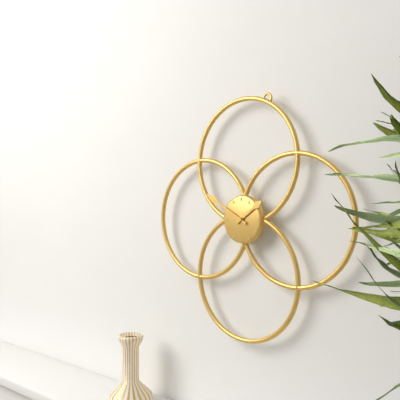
h=1 m=50
